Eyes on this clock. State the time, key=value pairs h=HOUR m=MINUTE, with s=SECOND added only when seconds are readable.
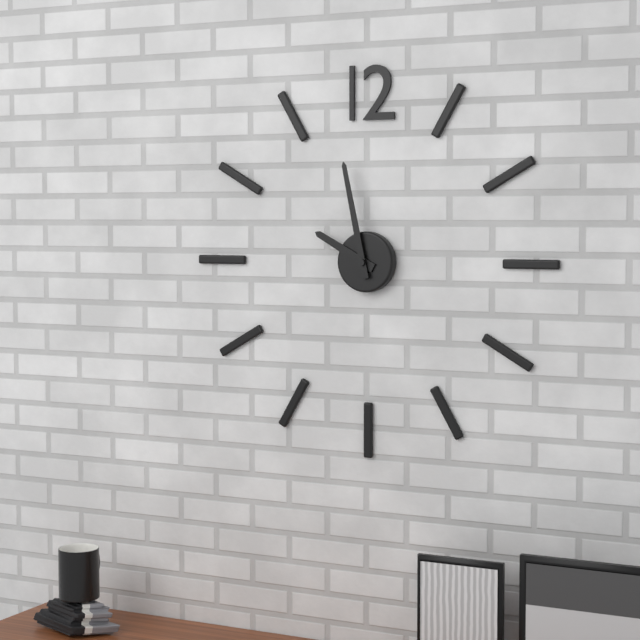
h=9 m=58
